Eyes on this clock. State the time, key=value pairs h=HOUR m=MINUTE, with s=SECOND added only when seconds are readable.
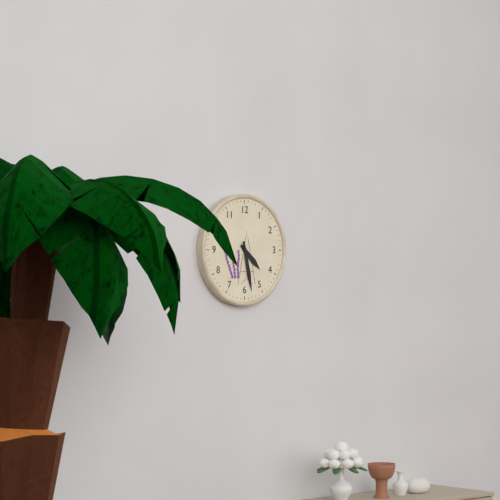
h=4 m=28
